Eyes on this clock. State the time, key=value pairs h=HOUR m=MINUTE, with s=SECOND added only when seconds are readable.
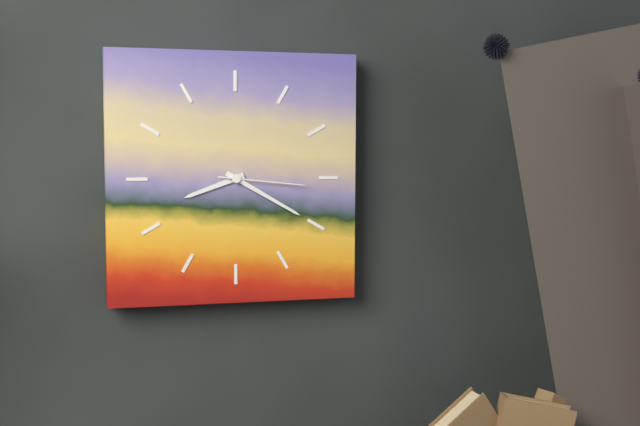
h=8 m=20 s=16
